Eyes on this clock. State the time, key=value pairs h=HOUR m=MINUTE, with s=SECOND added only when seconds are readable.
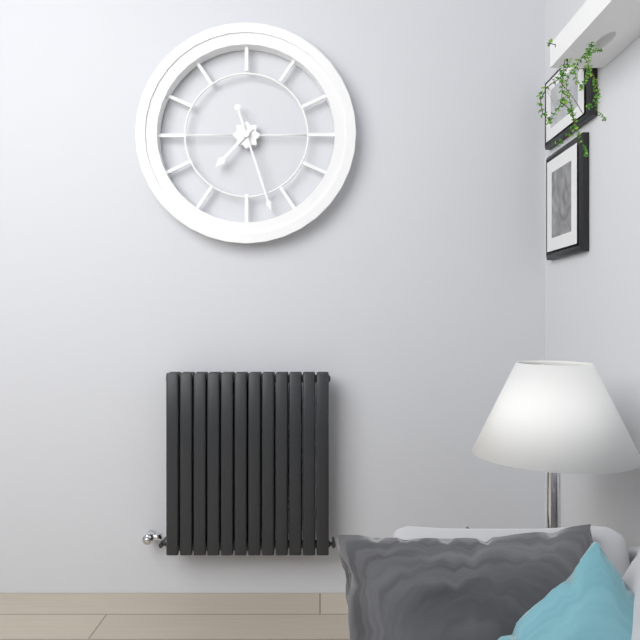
h=7 m=27
